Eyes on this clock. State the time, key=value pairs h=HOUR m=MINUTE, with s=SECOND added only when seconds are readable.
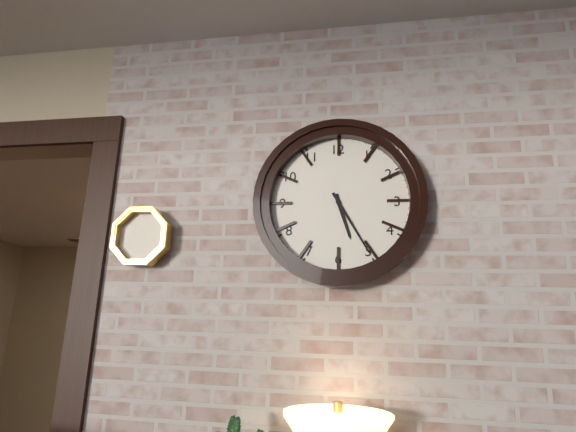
h=5 m=25
